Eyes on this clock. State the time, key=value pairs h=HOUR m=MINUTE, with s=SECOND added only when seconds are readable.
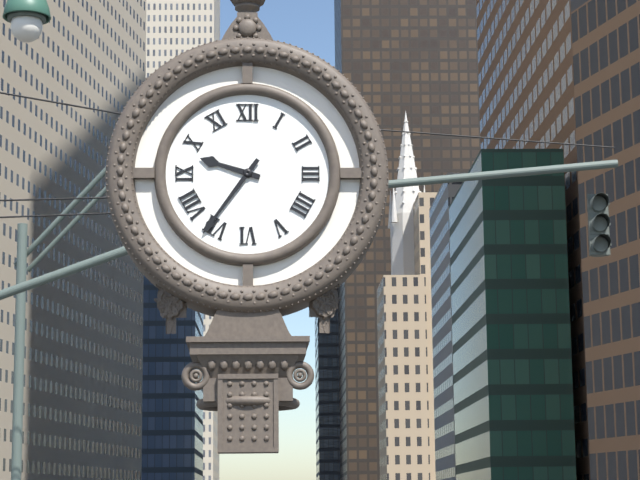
h=9 m=36
